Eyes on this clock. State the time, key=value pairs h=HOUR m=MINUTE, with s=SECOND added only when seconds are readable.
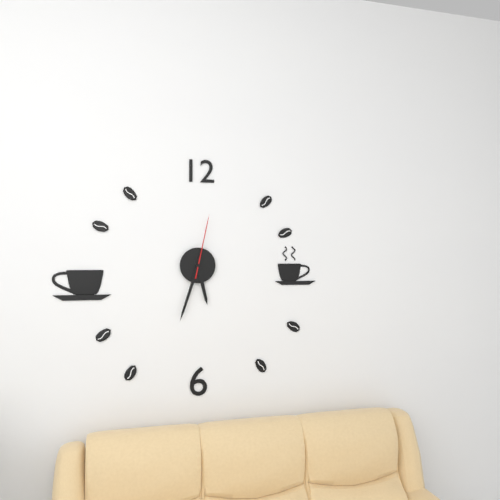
h=5 m=33 s=2
